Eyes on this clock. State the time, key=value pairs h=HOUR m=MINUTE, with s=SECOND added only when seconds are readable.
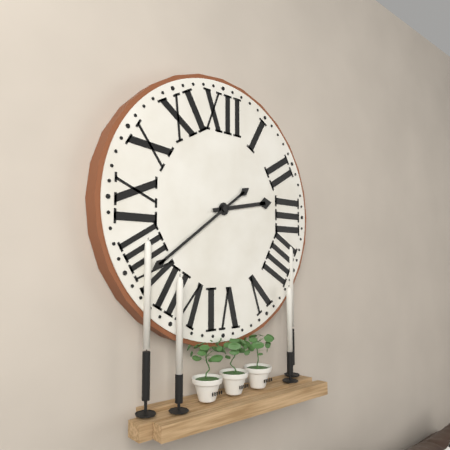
h=2 m=39
